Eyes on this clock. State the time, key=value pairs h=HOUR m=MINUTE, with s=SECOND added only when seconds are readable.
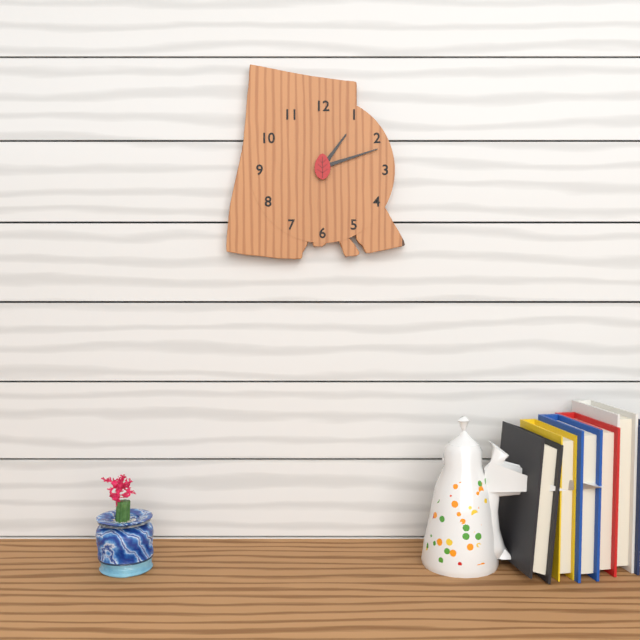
h=1 m=12
